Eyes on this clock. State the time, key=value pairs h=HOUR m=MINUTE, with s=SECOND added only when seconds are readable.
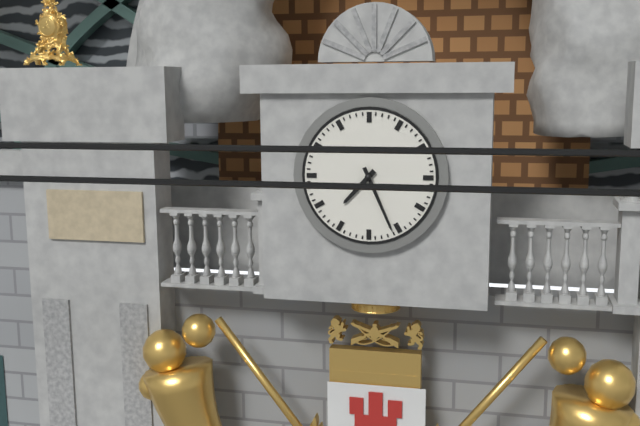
h=7 m=26
